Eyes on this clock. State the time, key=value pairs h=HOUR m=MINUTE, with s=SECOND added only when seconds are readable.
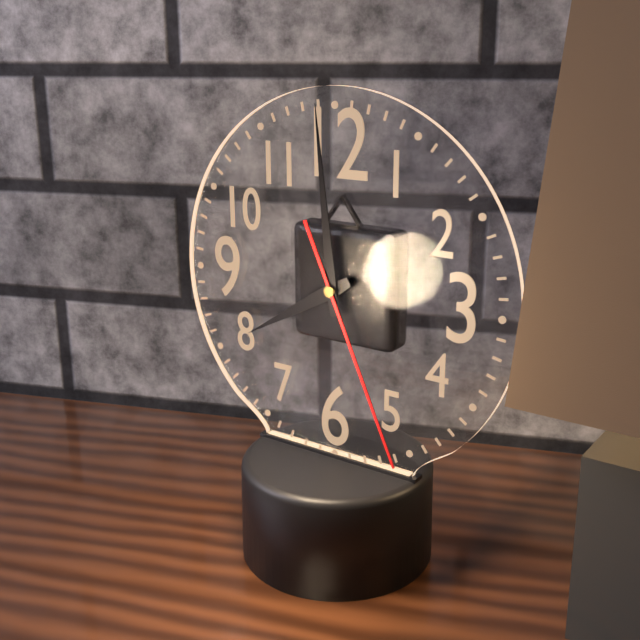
h=7 m=59 s=26
